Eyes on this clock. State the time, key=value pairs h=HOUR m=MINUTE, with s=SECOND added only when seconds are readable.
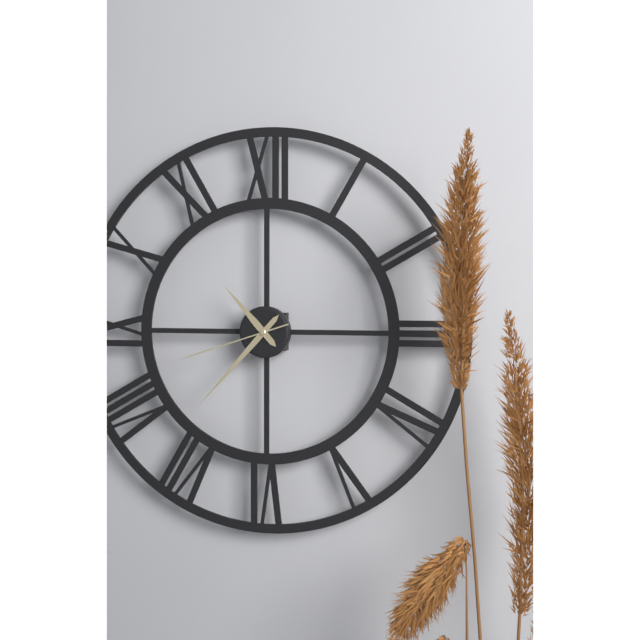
h=10 m=37 s=42
